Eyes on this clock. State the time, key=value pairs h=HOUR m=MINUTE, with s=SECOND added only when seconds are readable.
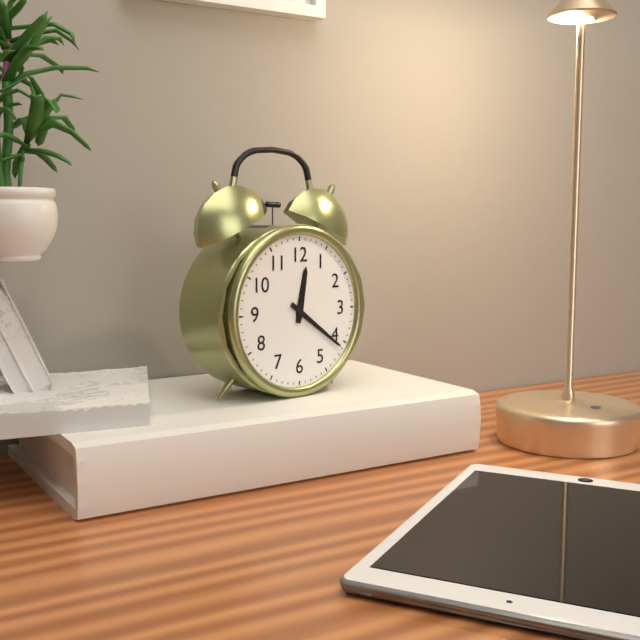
h=12 m=21
